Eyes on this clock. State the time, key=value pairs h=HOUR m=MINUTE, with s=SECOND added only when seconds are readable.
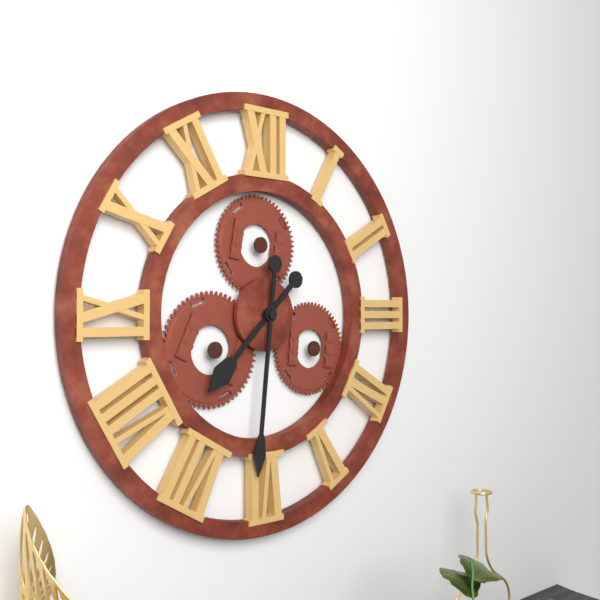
h=7 m=31
